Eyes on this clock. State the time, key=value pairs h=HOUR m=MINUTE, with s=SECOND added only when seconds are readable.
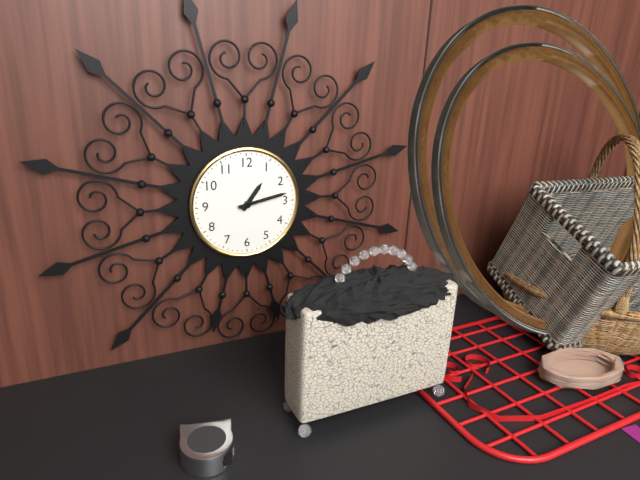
h=1 m=13
